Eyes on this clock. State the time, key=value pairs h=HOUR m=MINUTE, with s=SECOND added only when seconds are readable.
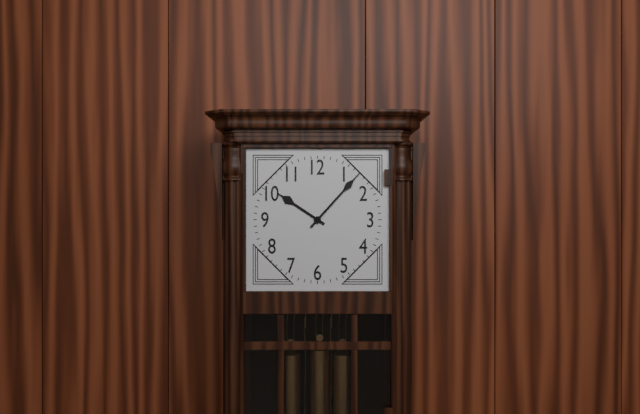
h=10 m=7
